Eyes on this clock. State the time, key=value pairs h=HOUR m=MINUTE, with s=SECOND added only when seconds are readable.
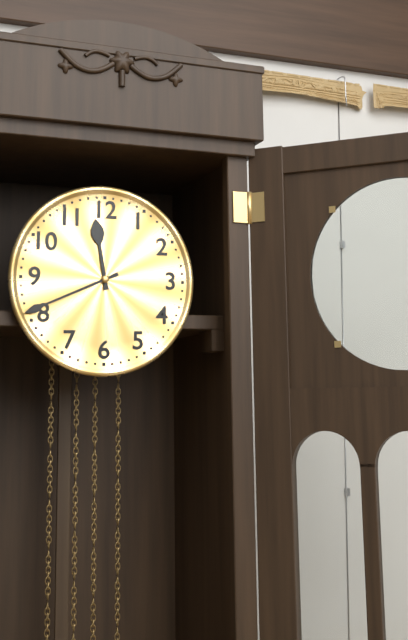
h=11 m=41
